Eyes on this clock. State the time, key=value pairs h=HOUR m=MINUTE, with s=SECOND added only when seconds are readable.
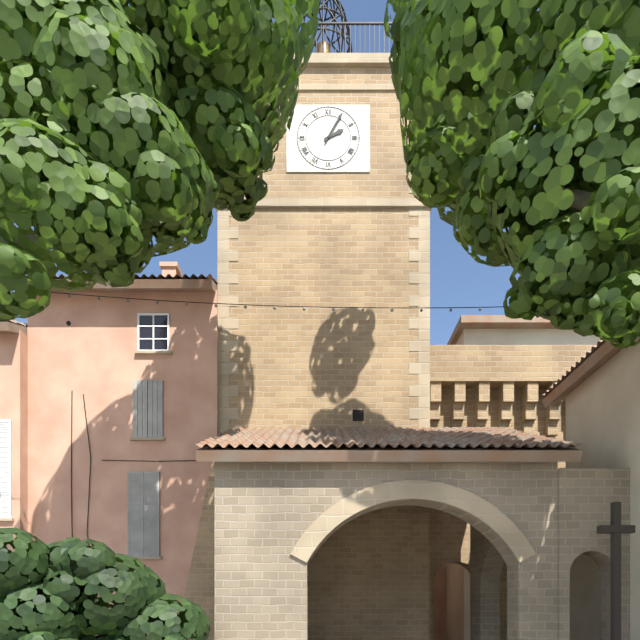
h=2 m=5
